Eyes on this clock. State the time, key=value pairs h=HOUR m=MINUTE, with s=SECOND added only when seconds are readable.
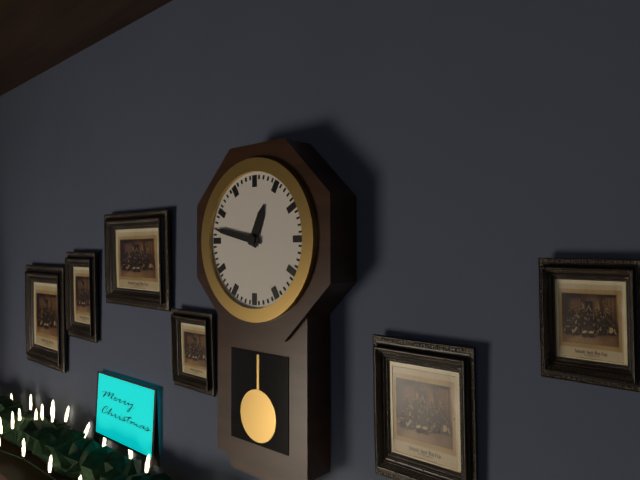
h=12 m=47
